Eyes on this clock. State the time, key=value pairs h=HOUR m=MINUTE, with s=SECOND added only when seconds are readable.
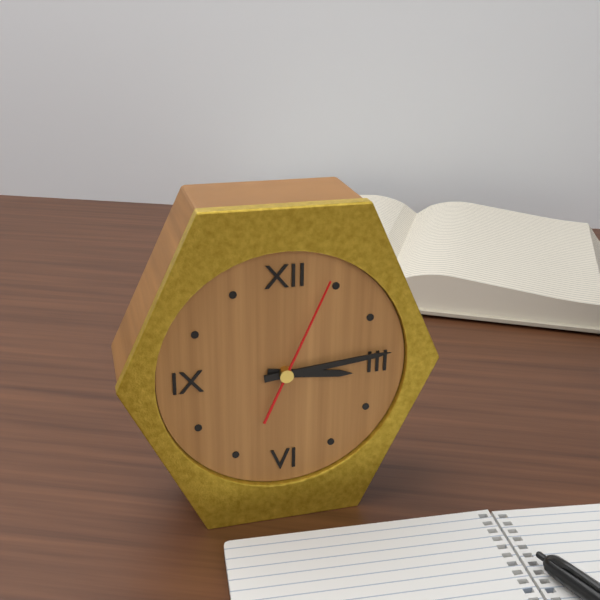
h=3 m=14 s=4
